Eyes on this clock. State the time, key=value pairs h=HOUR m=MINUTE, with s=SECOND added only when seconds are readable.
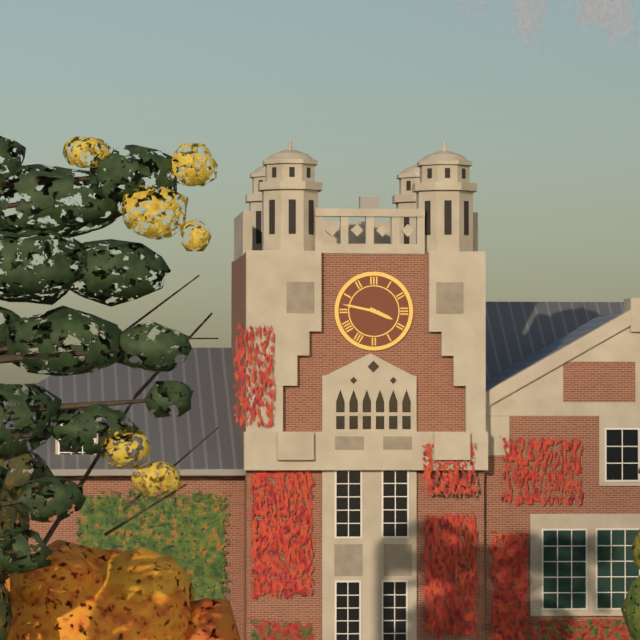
h=3 m=47
